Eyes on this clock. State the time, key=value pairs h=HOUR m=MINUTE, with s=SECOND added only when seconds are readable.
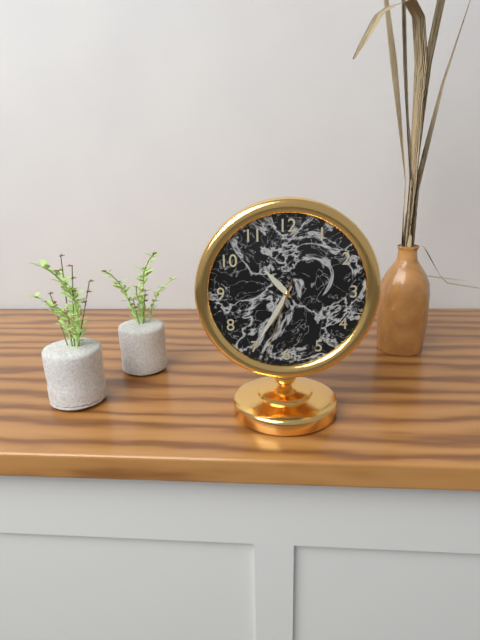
h=10 m=35 s=33
